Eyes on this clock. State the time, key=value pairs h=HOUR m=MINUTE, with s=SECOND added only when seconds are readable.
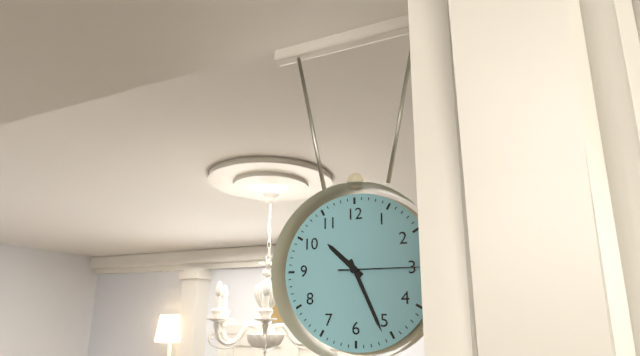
h=10 m=26 s=15
